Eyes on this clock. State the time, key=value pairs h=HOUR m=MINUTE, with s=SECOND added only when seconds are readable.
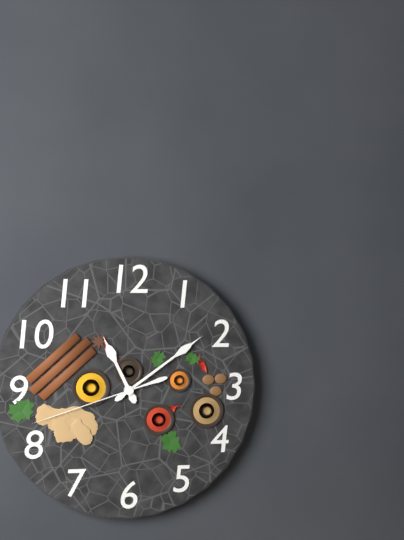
h=11 m=9 s=42
